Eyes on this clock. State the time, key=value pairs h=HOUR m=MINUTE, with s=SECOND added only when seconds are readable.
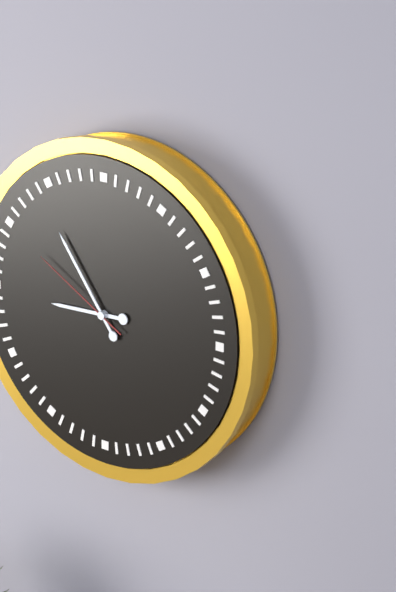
h=8 m=54 s=50
